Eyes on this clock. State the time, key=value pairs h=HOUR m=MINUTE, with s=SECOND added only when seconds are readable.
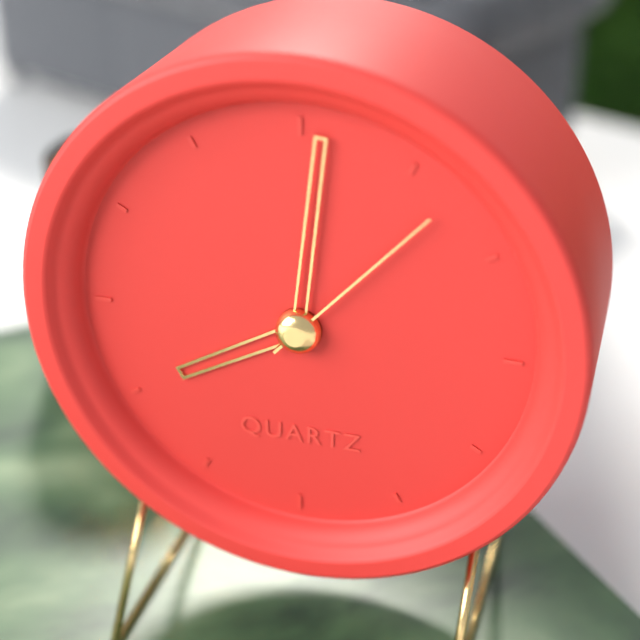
h=8 m=1 s=7
